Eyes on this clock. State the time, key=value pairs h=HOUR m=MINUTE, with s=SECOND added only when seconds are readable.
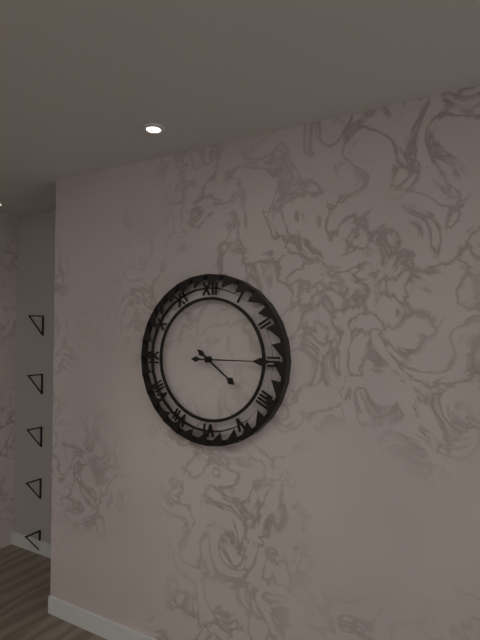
h=4 m=15
